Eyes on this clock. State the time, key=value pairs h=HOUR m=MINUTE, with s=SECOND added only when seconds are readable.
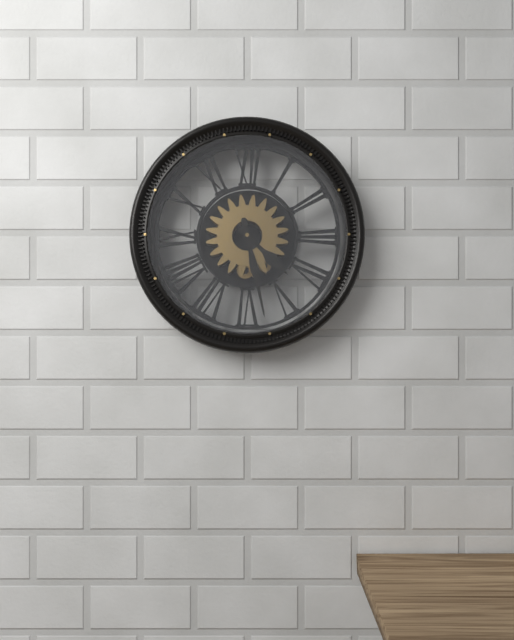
h=4 m=28
